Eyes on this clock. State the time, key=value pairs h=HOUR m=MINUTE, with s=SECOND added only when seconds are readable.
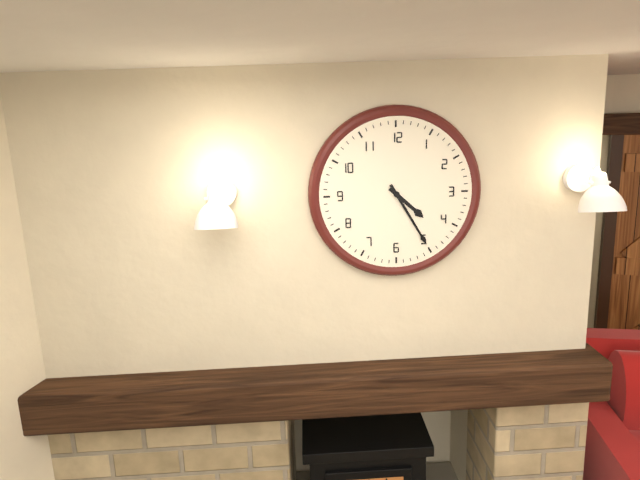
h=4 m=25
